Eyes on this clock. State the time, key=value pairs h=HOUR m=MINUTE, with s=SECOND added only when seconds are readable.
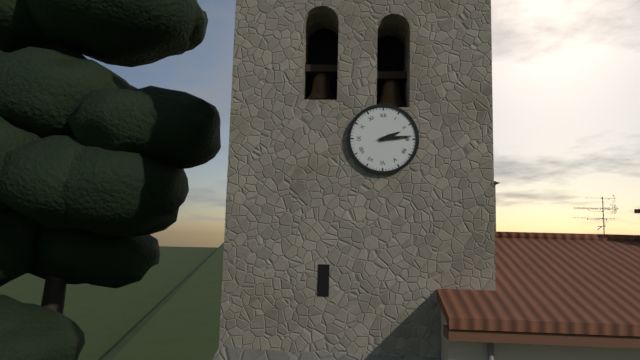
h=2 m=14
